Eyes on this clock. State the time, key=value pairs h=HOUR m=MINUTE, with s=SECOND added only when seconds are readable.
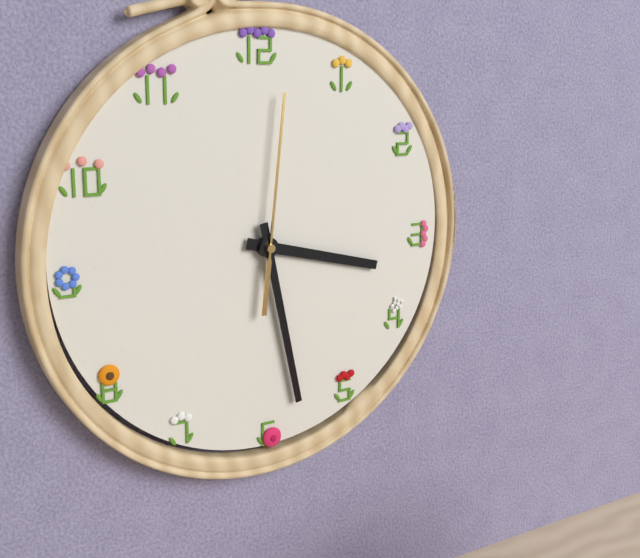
h=3 m=28 s=1
